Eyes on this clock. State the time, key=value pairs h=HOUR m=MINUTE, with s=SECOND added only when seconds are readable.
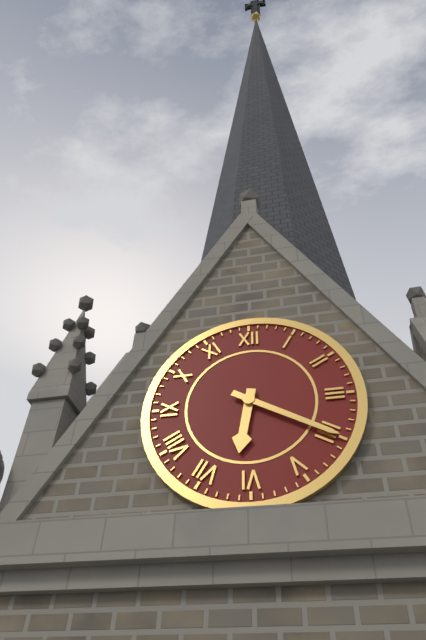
h=6 m=20
